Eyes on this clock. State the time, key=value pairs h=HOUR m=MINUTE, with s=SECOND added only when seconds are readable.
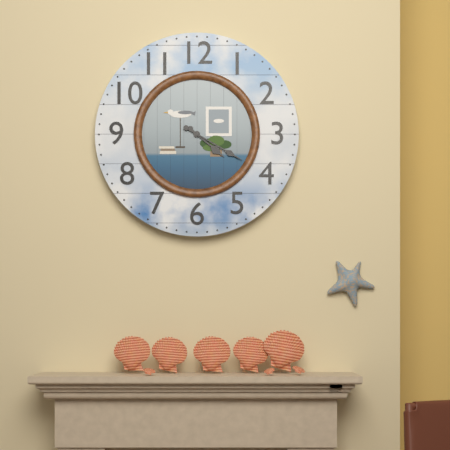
h=4 m=20
